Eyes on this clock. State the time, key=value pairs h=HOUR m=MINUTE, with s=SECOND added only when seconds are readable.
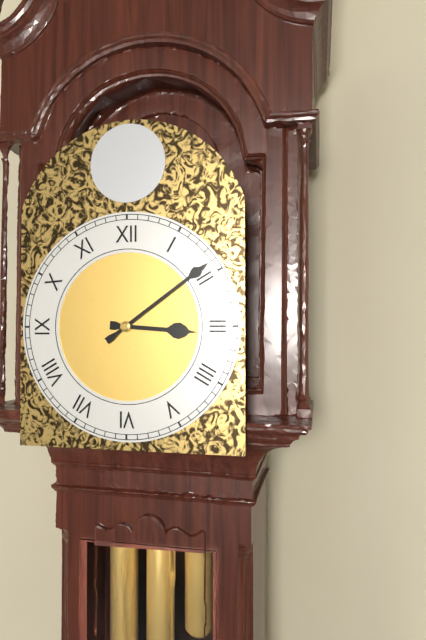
h=3 m=9
